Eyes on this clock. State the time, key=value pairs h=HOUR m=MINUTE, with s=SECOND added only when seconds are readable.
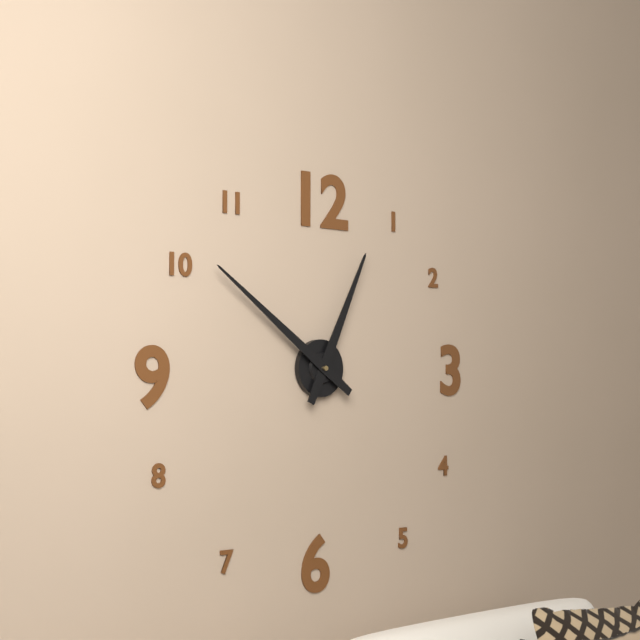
h=12 m=51
